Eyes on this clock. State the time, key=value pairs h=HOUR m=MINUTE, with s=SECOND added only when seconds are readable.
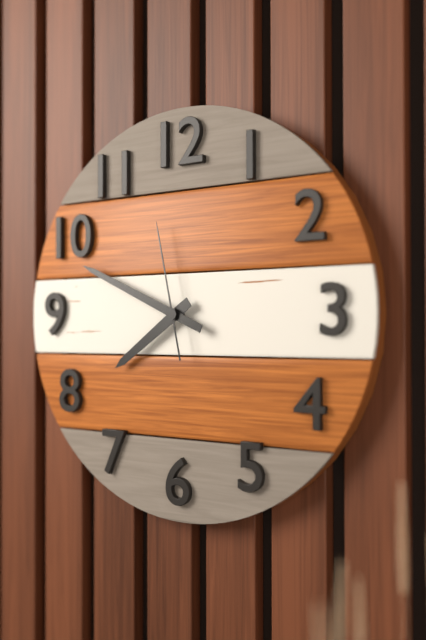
h=7 m=49 s=58
